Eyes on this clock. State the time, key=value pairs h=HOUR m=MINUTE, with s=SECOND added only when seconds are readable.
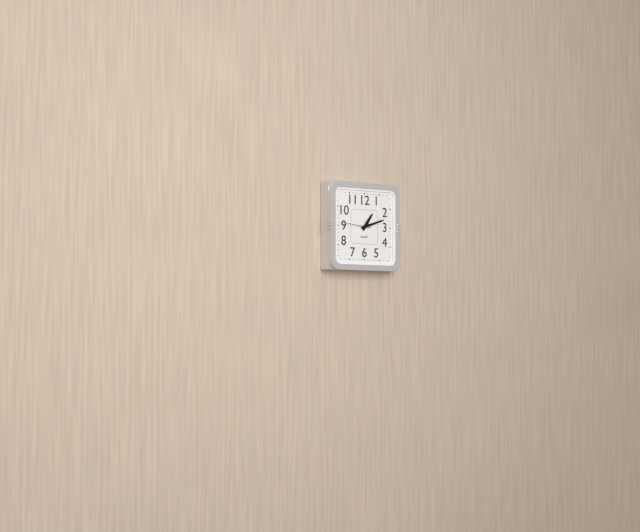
h=1 m=12
